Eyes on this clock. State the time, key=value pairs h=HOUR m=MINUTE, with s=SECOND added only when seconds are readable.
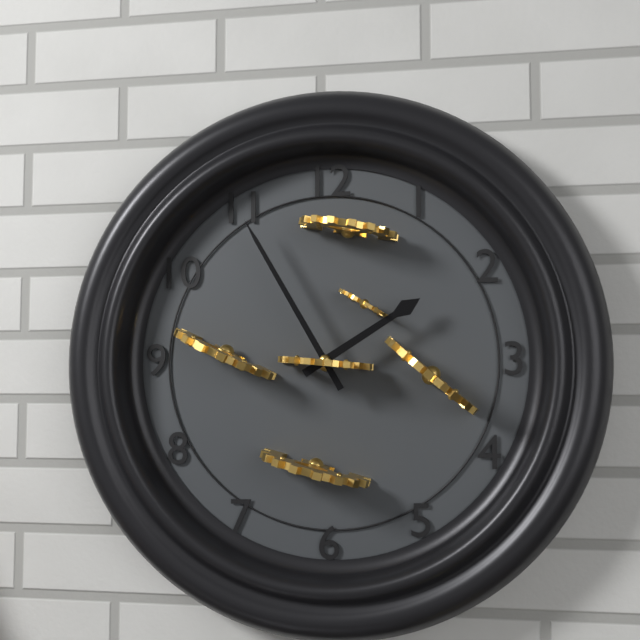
h=1 m=55
